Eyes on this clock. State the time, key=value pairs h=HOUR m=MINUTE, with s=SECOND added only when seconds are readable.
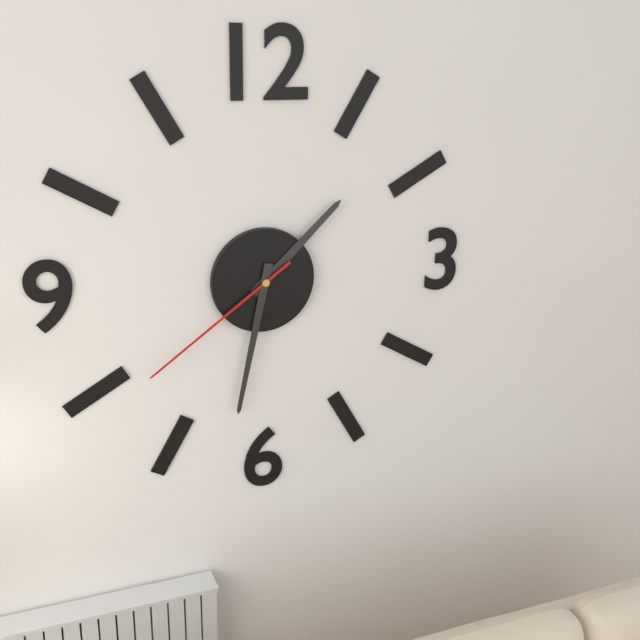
h=1 m=32 s=39
